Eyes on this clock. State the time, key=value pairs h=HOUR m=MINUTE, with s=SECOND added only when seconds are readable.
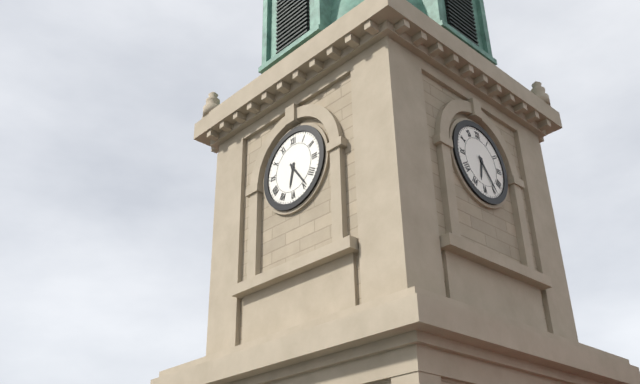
h=6 m=24
